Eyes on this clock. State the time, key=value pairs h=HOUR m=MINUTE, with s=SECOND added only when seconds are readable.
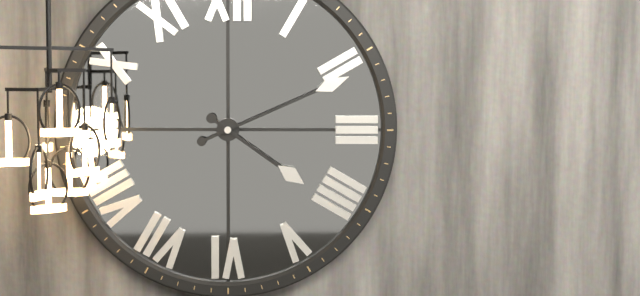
h=4 m=11
